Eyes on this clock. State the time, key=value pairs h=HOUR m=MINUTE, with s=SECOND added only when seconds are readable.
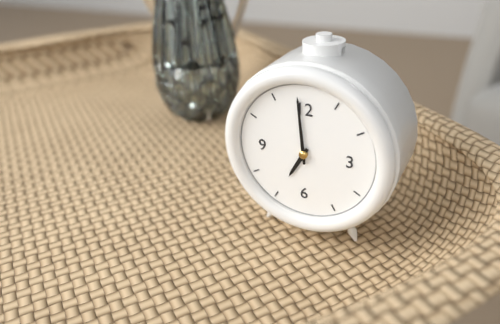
h=6 m=59
